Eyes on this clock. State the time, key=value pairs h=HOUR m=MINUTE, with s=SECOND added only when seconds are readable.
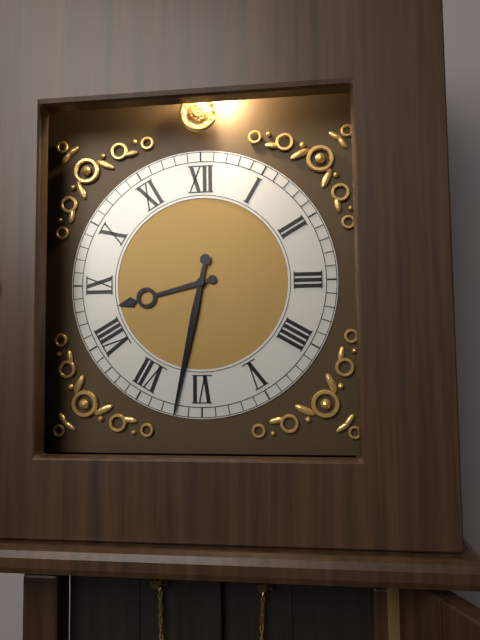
h=8 m=32
